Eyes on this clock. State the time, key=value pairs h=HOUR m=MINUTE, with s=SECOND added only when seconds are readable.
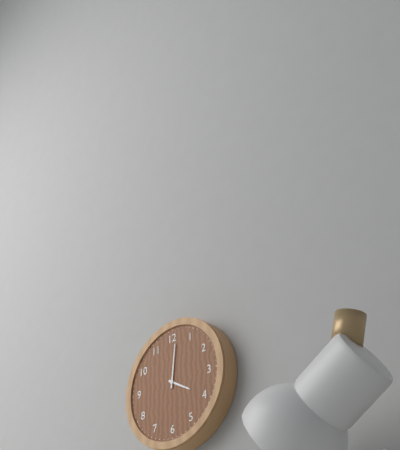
h=4 m=1
